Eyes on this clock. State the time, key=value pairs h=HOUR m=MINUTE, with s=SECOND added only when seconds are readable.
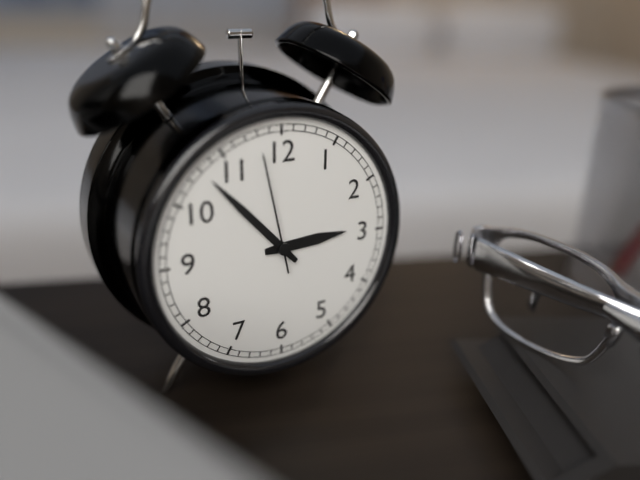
h=2 m=53 s=58
